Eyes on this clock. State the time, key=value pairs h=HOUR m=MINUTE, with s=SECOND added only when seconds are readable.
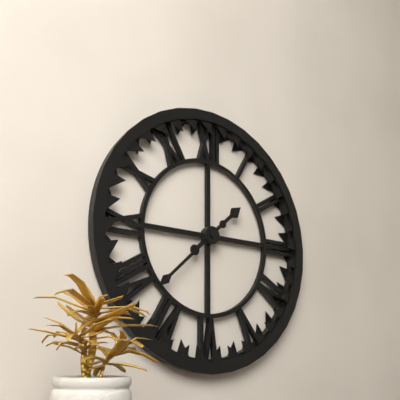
h=1 m=38
